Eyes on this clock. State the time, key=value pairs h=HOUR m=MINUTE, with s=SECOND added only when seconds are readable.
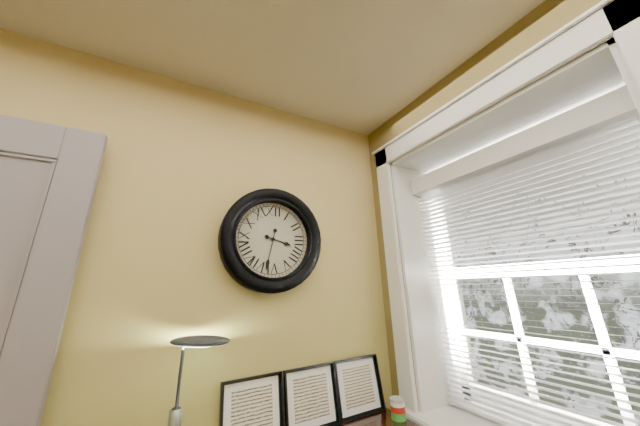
h=3 m=32
